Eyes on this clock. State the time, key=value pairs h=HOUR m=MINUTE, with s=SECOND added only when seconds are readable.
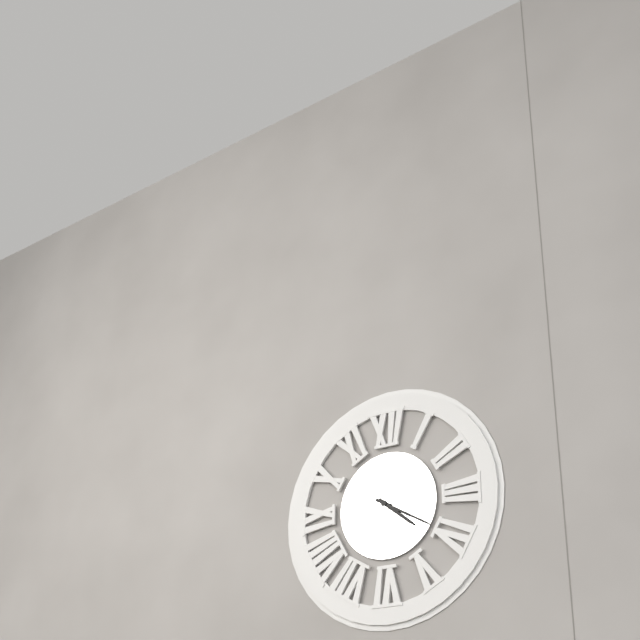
h=4 m=20
